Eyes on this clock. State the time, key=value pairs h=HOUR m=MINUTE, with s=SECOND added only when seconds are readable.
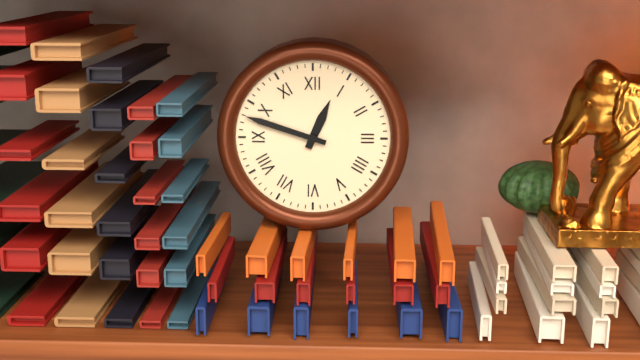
h=12 m=48
